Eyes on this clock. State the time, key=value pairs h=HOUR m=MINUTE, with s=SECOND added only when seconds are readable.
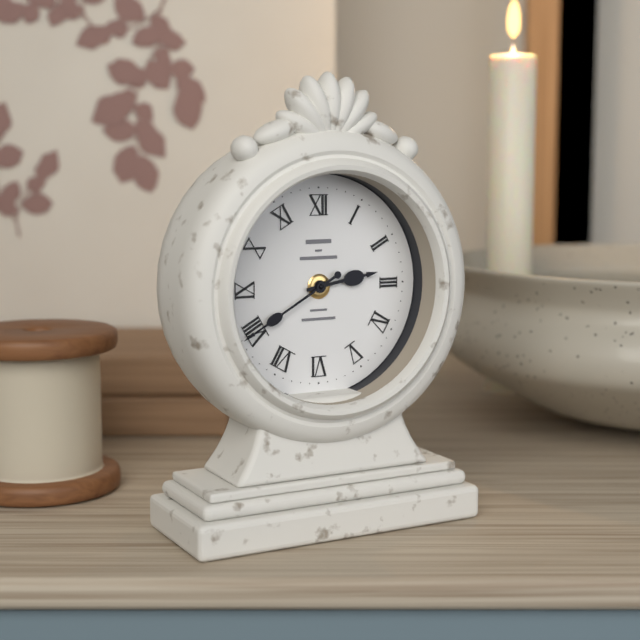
h=2 m=40
